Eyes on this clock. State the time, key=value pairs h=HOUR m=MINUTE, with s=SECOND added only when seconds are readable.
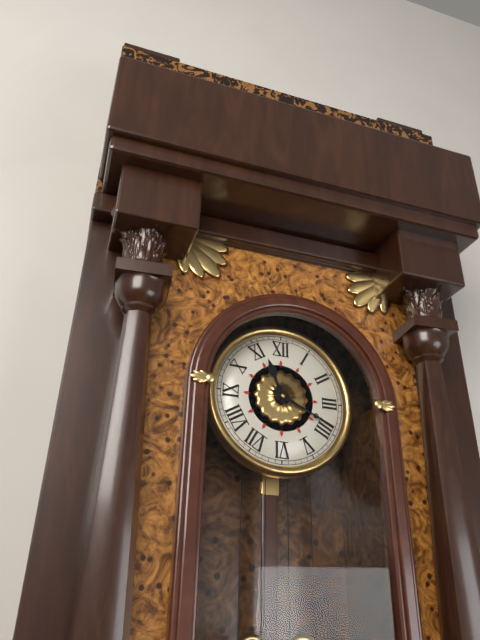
h=11 m=19
